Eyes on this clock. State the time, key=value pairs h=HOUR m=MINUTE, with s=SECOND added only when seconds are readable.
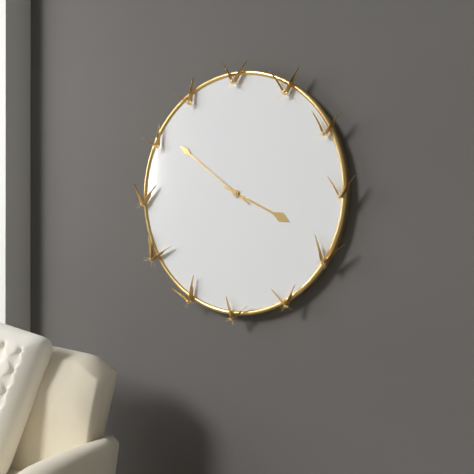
h=3 m=51
